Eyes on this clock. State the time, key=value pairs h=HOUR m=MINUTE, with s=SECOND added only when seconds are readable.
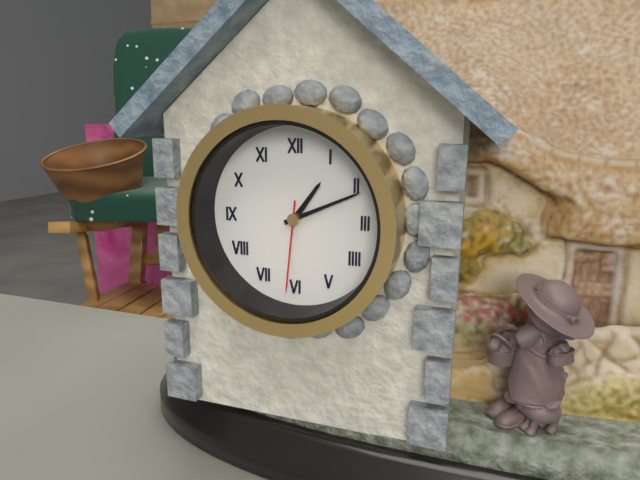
h=1 m=11 s=31
